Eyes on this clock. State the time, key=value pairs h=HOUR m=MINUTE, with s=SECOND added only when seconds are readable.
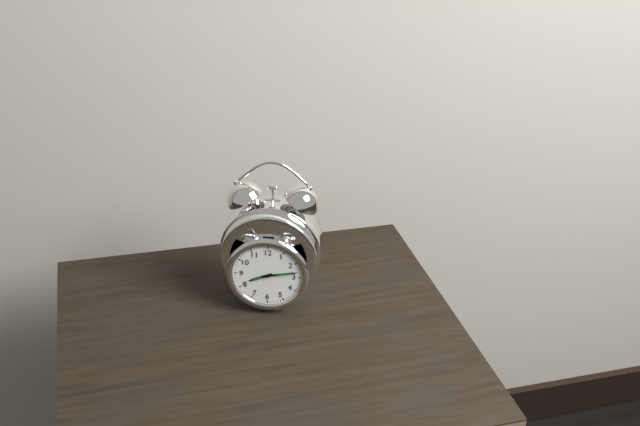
h=8 m=13
